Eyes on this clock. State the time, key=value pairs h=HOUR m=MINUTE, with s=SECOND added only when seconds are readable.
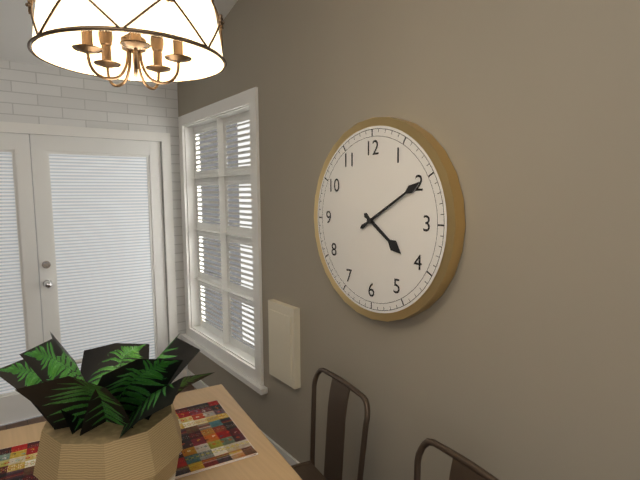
h=4 m=10
